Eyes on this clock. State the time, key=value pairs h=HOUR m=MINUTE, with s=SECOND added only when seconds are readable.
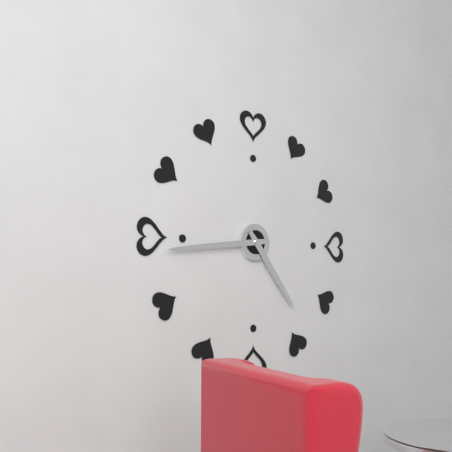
h=4 m=44
